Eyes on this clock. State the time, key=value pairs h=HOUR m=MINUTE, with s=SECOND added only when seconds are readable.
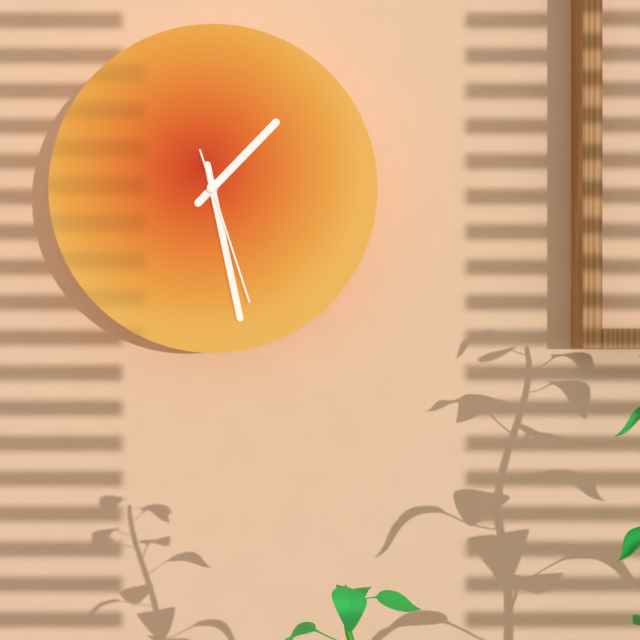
h=1 m=28 s=27
